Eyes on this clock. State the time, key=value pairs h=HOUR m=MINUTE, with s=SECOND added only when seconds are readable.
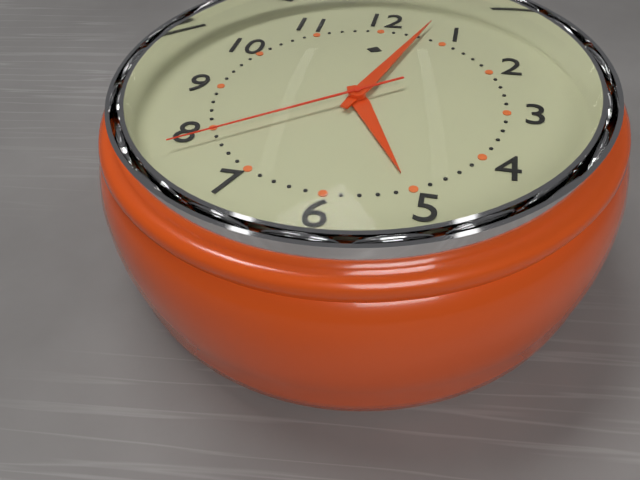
h=5 m=3 s=39
